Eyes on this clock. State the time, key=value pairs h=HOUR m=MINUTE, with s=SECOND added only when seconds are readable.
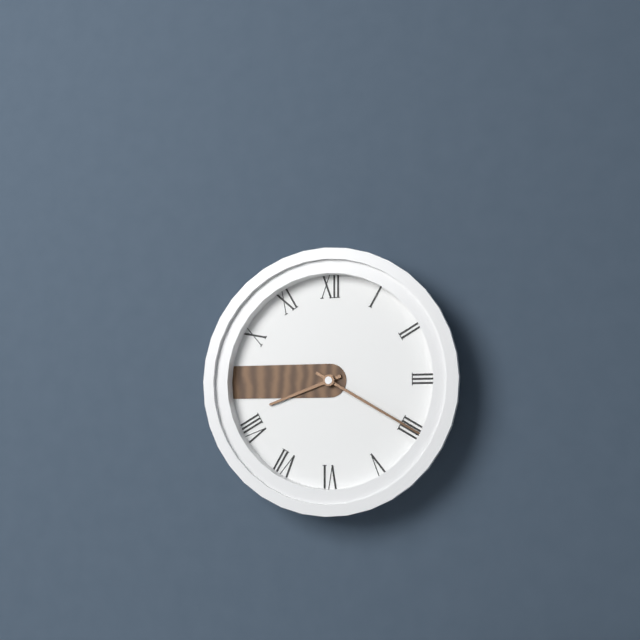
h=8 m=20
